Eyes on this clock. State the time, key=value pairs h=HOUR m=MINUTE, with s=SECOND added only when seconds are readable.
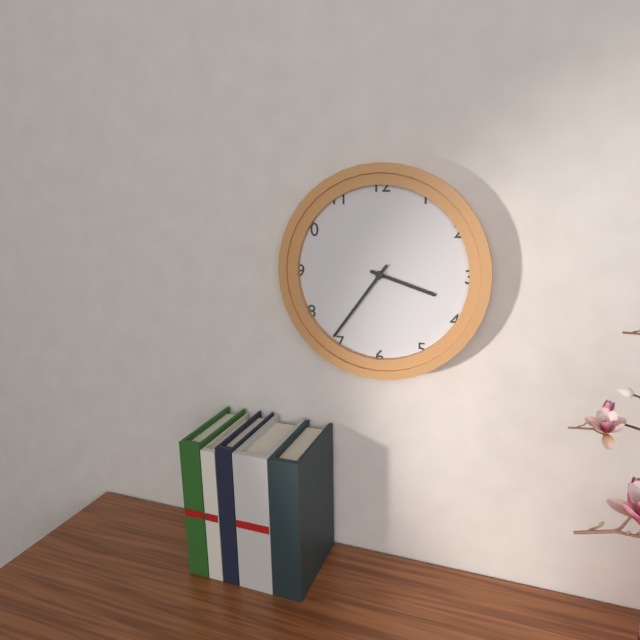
h=3 m=36
